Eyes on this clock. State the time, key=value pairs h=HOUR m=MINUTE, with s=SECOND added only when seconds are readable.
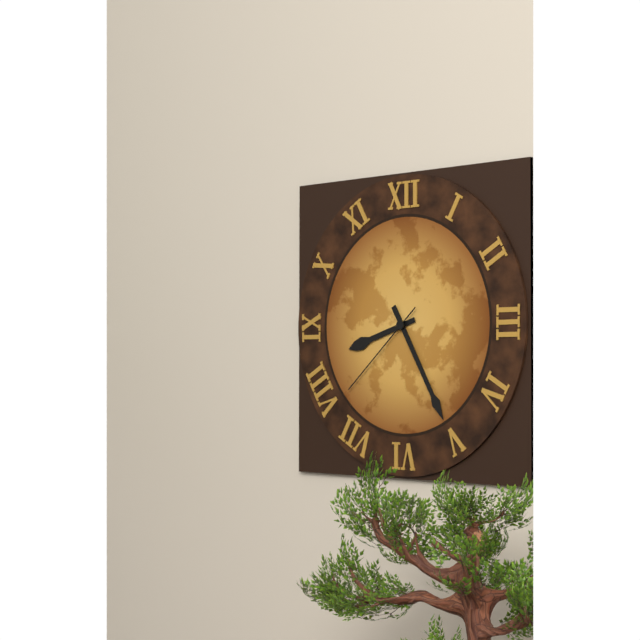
h=8 m=25 s=38
